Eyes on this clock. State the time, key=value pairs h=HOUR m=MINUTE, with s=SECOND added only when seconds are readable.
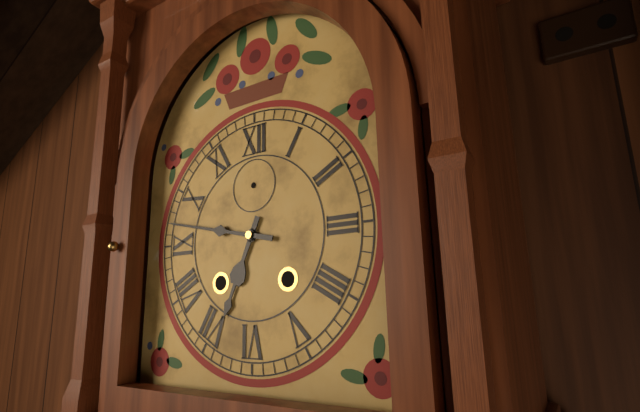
h=6 m=47
